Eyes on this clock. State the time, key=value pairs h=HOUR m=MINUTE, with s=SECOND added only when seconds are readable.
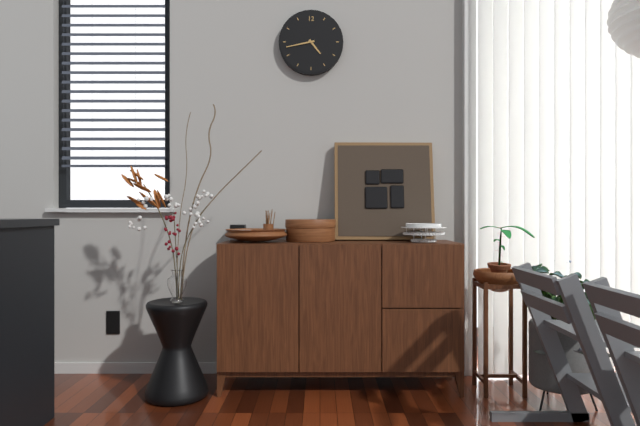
h=4 m=43
